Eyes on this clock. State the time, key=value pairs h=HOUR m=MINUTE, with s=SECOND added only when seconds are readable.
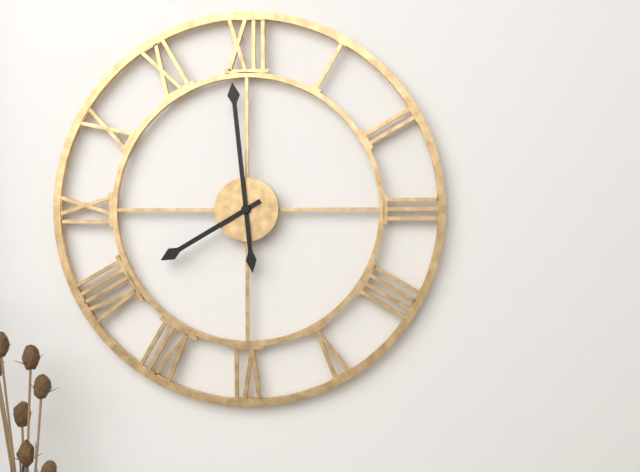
h=7 m=59
